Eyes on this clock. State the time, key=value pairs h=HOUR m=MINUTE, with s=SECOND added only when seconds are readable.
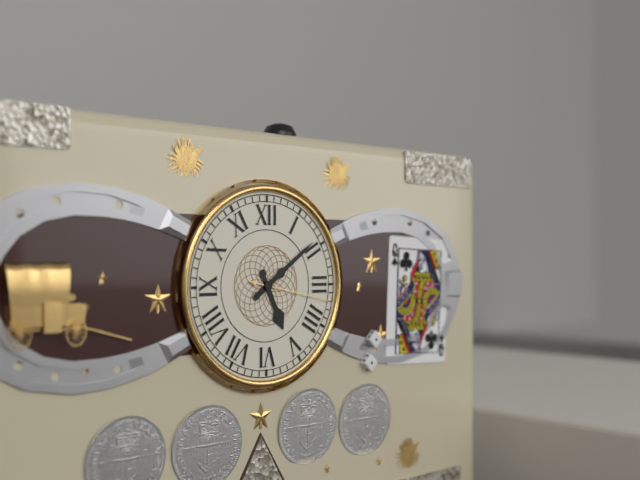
h=5 m=9 s=17
